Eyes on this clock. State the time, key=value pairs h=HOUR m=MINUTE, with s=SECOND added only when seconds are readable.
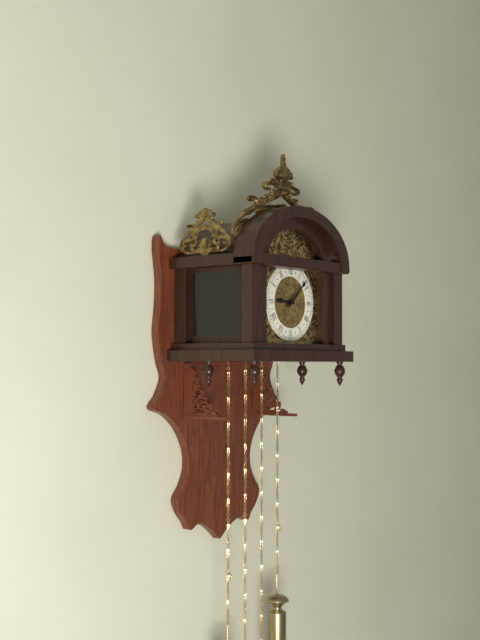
h=9 m=8
